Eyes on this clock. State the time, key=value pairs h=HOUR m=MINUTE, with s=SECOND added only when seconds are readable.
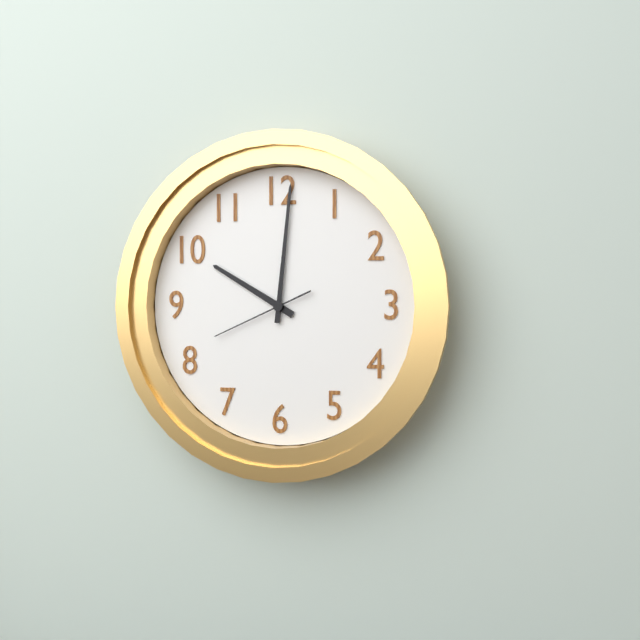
h=10 m=1 s=41
